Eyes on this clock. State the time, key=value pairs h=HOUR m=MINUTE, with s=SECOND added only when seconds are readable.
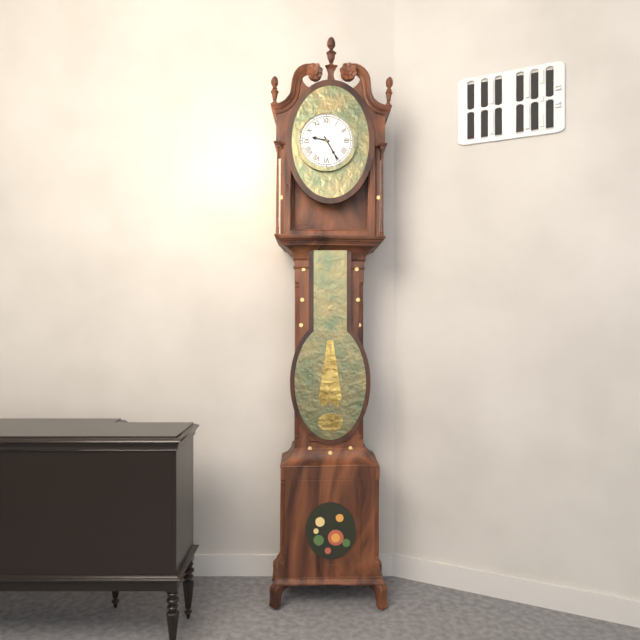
h=9 m=25
